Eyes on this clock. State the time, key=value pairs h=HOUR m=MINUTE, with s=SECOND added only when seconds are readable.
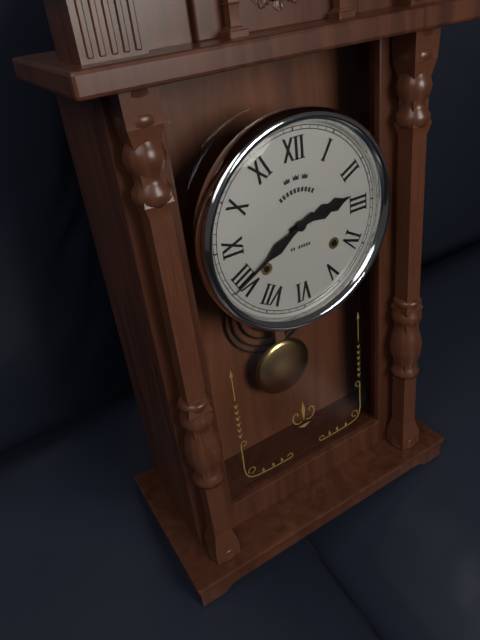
h=2 m=40
